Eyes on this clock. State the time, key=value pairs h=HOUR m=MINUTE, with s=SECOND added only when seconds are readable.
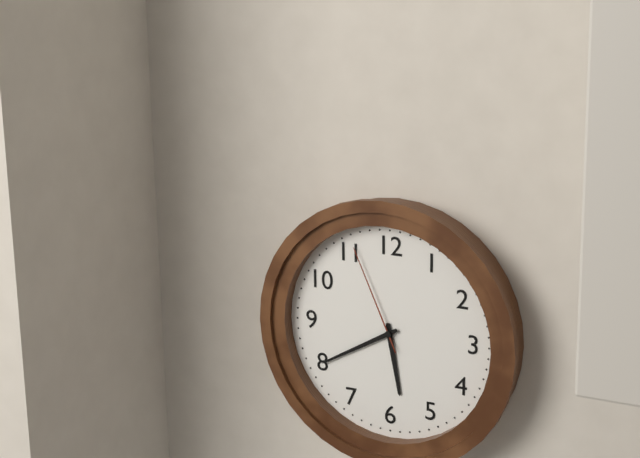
h=5 m=40 s=56
